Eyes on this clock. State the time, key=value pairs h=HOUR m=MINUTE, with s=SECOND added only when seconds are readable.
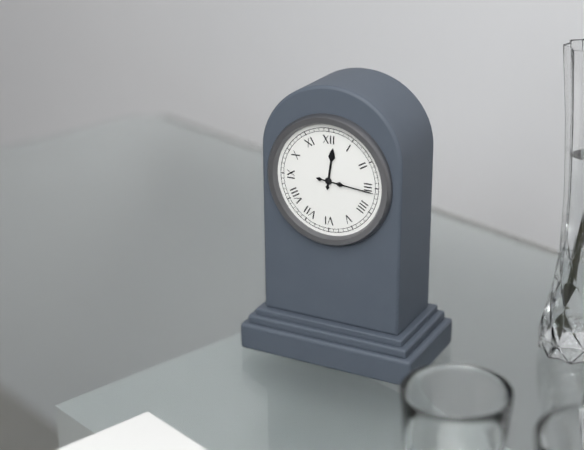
h=12 m=16
